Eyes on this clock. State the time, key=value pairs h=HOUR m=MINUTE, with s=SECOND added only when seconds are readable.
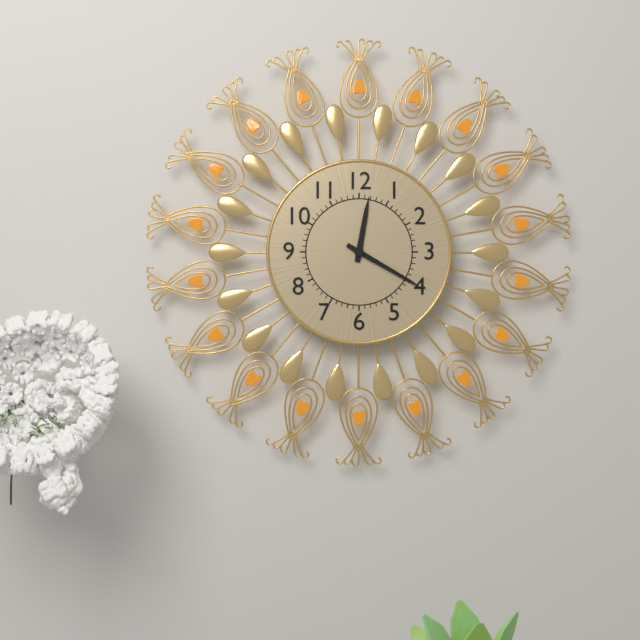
h=12 m=20
